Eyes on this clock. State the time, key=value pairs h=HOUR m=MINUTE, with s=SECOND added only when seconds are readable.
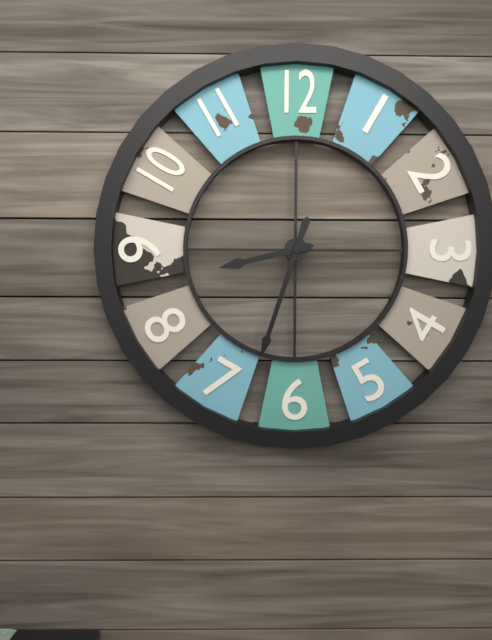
h=8 m=33
